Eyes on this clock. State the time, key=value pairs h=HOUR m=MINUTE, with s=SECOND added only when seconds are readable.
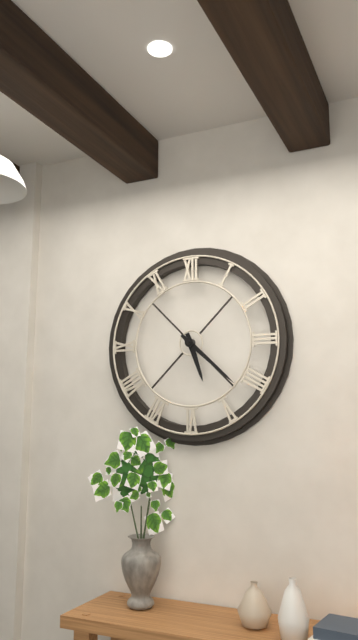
h=5 m=22
